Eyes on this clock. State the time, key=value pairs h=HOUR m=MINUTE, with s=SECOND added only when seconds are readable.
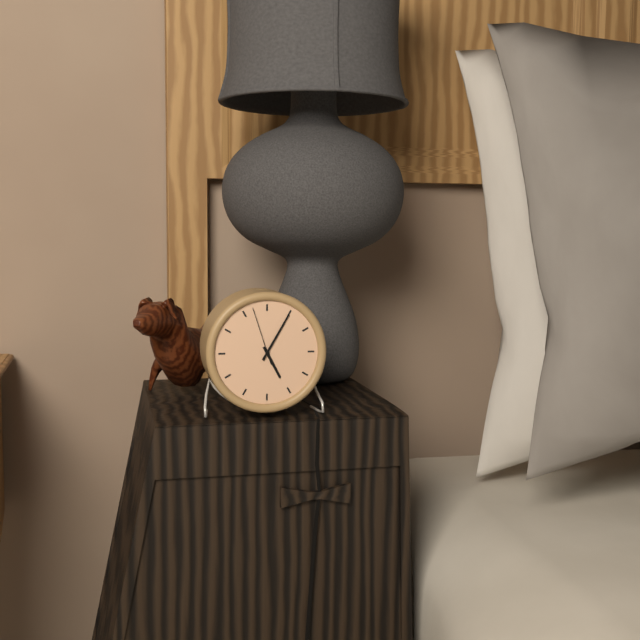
h=5 m=5 s=57
